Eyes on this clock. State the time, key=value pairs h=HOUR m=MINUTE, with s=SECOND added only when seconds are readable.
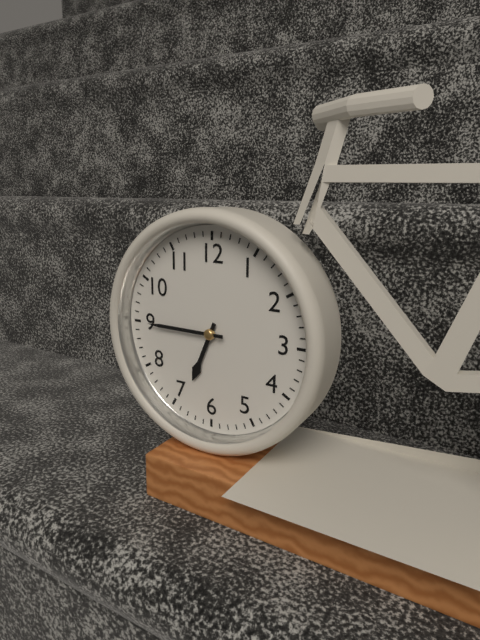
h=6 m=45
